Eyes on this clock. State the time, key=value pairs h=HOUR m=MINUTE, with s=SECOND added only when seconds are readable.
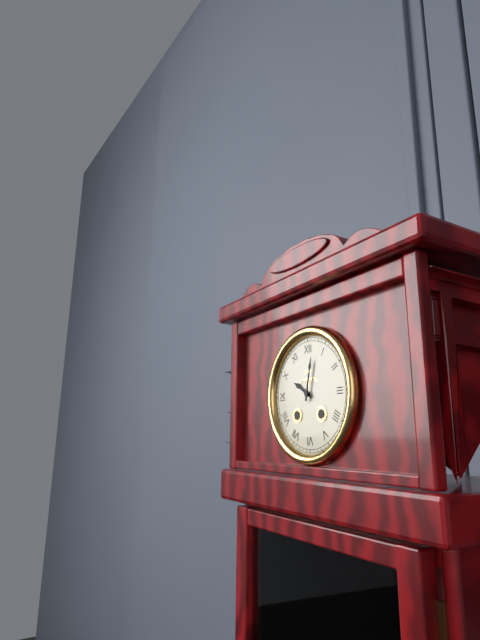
h=10 m=2
